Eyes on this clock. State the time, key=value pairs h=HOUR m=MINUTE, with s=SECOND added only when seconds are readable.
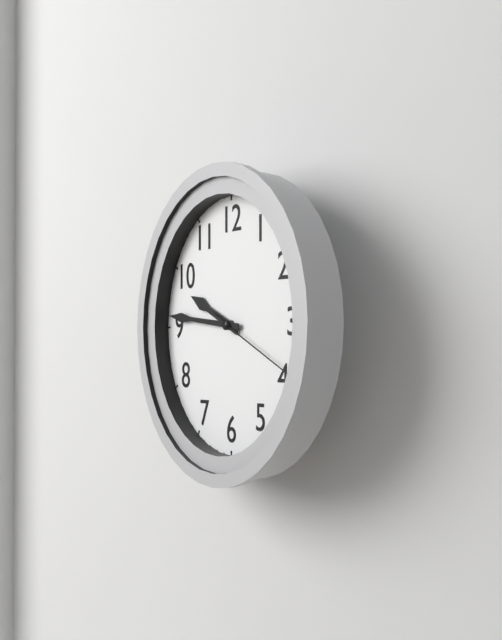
h=9 m=46 s=19
